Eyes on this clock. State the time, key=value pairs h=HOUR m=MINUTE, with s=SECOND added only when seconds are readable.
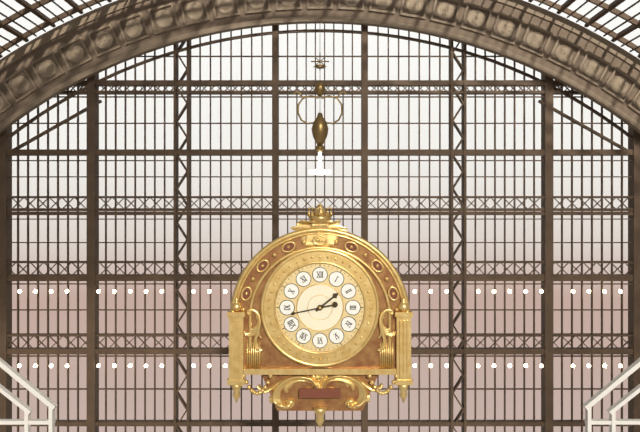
h=1 m=43
